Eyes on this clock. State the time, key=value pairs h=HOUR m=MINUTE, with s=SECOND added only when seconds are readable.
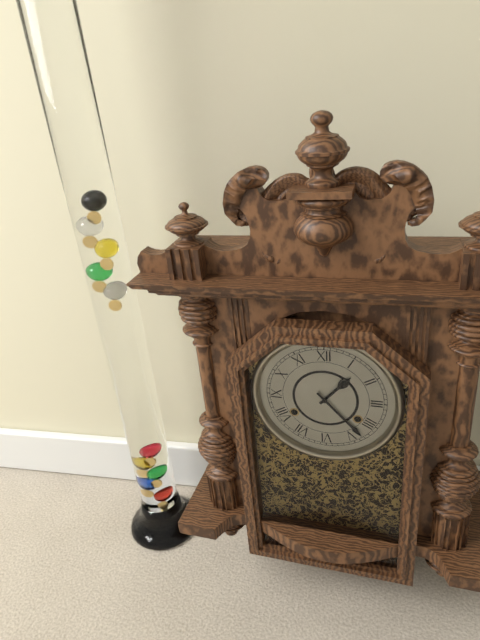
h=1 m=23
